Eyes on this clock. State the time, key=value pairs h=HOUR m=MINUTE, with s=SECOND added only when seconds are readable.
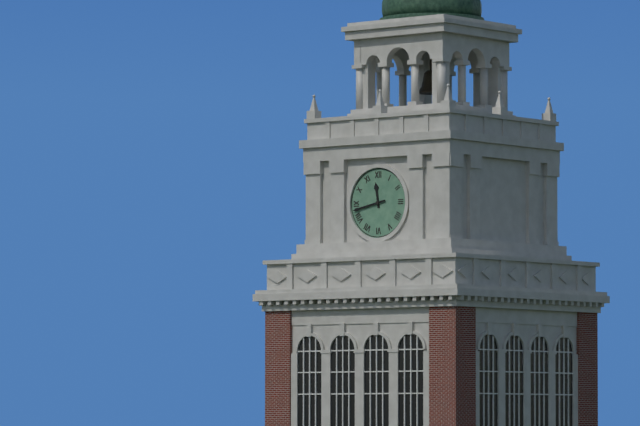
h=11 m=43
